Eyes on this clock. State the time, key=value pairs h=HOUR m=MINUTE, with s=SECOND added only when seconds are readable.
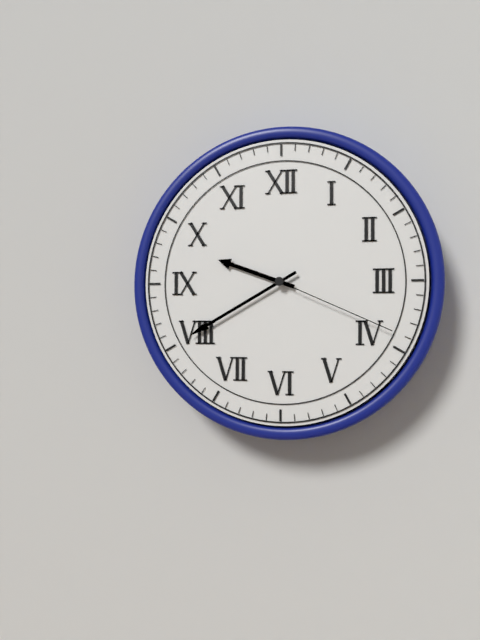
h=9 m=40 s=19
